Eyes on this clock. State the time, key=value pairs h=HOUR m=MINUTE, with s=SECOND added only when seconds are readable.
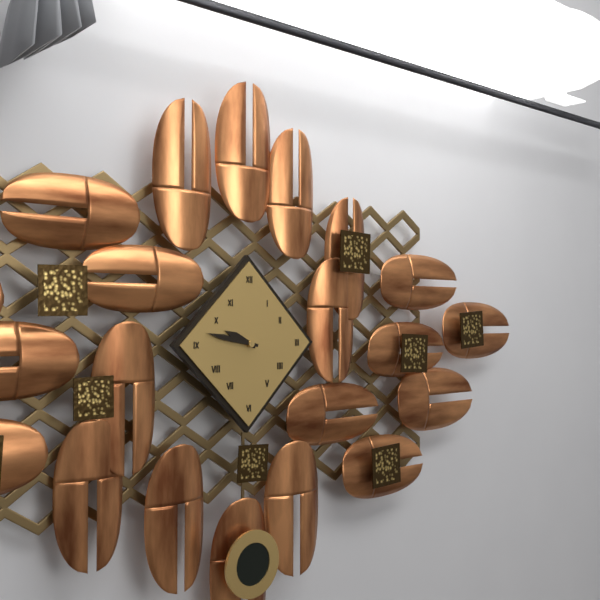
h=9 m=47
